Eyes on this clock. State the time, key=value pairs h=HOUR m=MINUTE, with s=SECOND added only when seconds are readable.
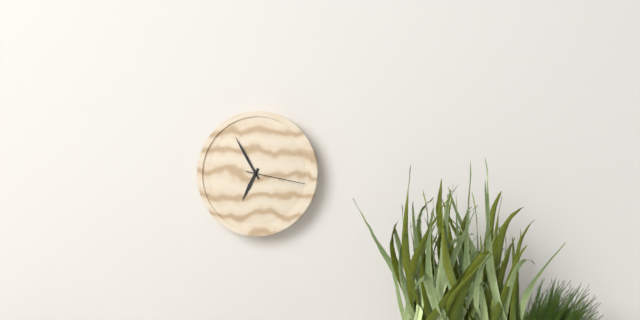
h=6 m=55 s=17
